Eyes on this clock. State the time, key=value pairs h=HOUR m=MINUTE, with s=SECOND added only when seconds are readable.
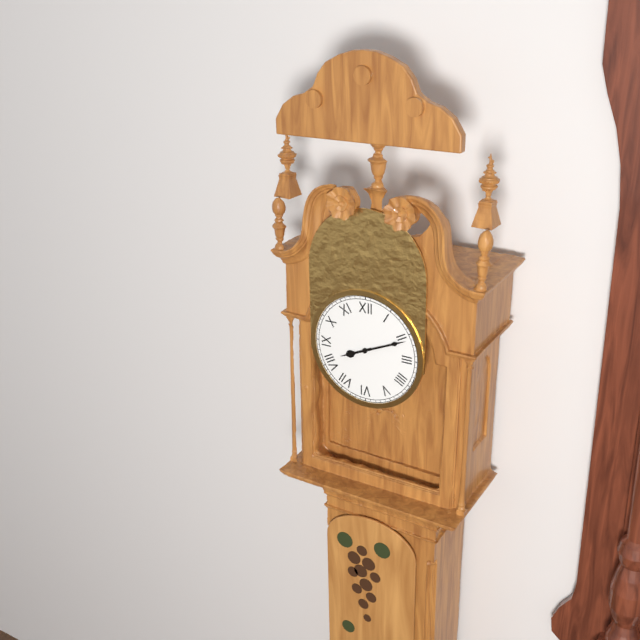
h=8 m=11
